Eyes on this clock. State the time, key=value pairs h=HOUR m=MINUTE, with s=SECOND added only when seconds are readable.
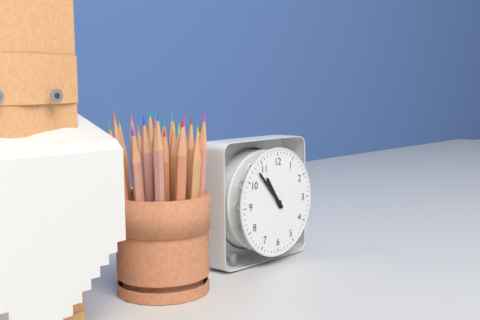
h=10 m=53
